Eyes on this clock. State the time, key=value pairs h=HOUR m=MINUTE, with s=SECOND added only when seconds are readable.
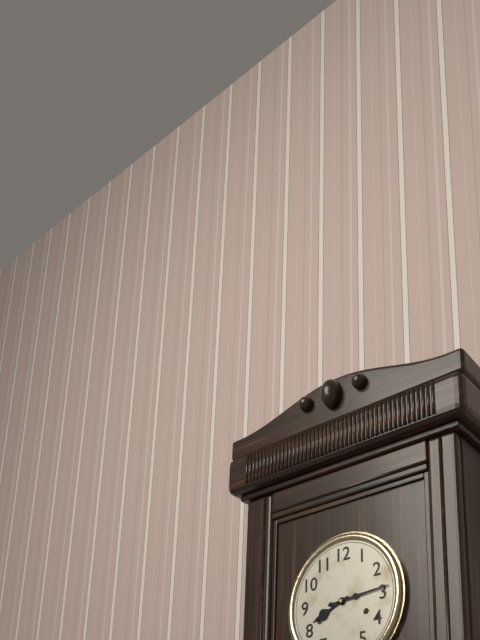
h=8 m=14
